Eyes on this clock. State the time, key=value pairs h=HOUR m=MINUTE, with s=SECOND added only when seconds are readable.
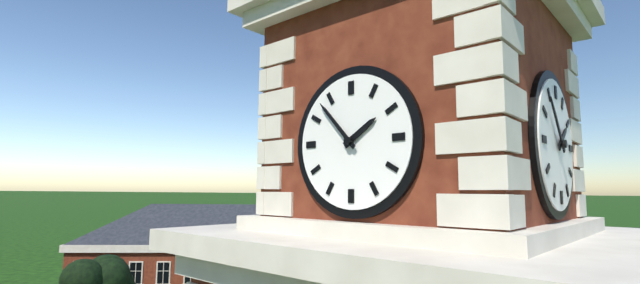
h=1 m=53
